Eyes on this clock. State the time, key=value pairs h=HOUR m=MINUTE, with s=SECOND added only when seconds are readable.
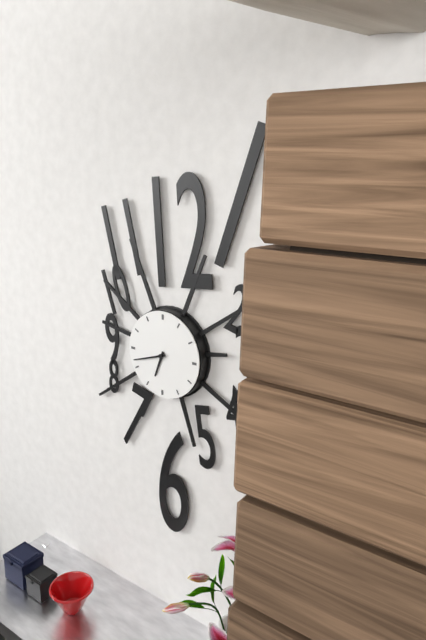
h=6 m=42
